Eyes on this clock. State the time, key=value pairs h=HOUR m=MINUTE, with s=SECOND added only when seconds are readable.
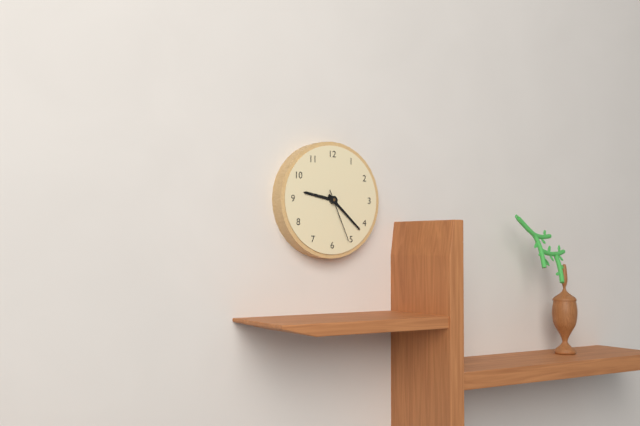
h=9 m=22 s=26
